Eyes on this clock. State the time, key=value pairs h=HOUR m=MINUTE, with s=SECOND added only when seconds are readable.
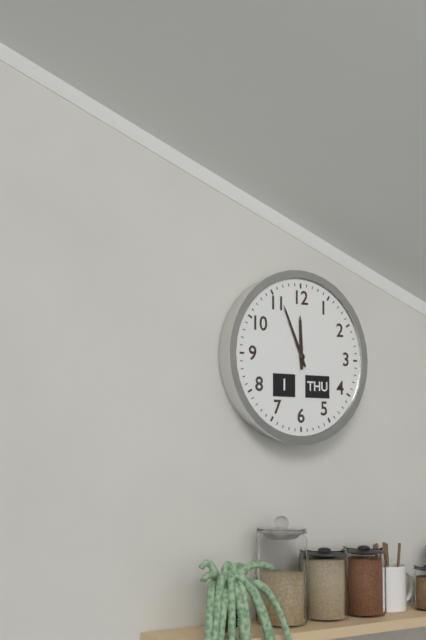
h=11 m=56
